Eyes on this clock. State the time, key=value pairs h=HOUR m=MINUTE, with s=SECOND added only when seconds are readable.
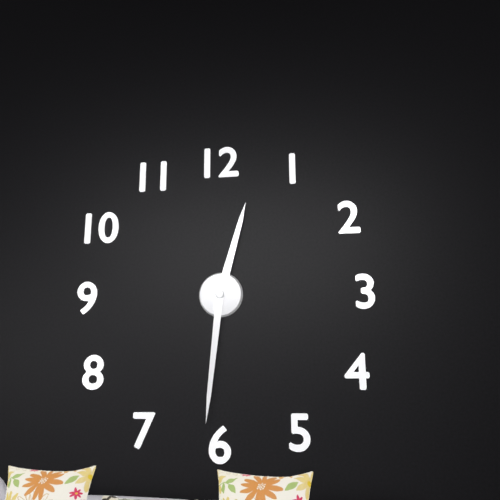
h=12 m=31
